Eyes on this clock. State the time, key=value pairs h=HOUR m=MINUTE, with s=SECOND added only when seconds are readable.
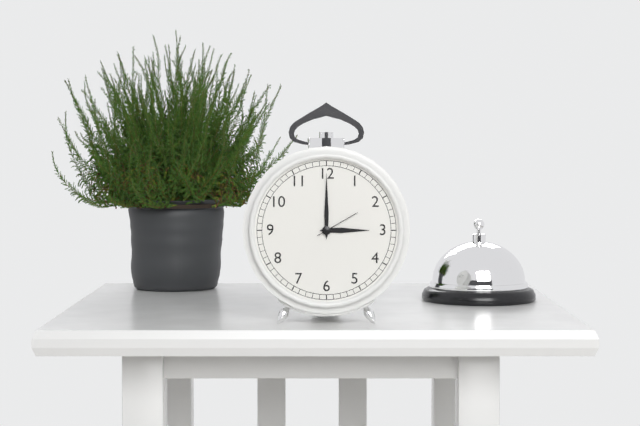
h=3 m=0
